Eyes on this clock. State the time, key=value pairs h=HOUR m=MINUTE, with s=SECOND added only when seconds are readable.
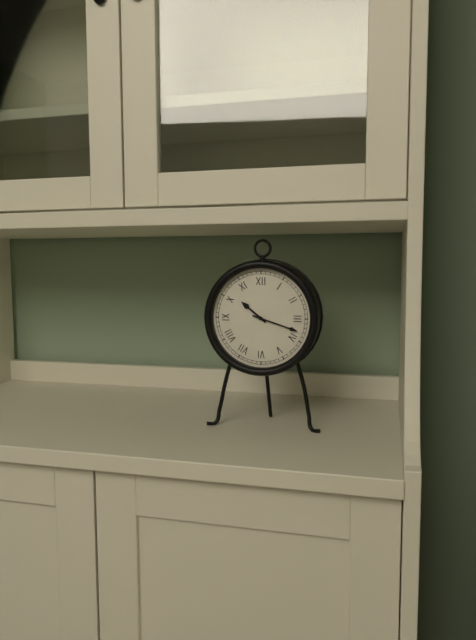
h=10 m=18
